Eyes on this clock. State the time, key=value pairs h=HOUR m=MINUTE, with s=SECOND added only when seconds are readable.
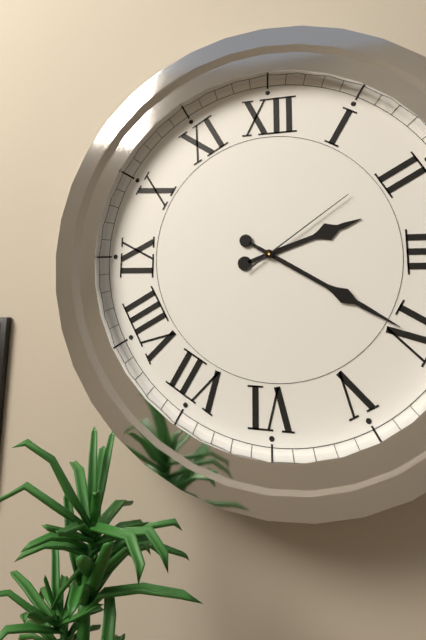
h=2 m=20 s=9
